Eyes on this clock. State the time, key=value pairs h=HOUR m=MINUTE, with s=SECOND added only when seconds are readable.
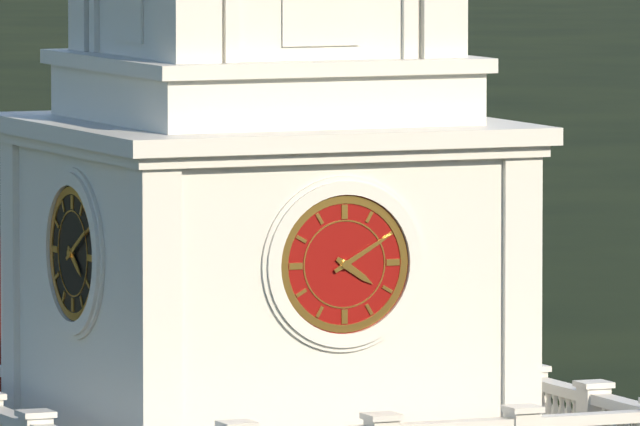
h=4 m=10
